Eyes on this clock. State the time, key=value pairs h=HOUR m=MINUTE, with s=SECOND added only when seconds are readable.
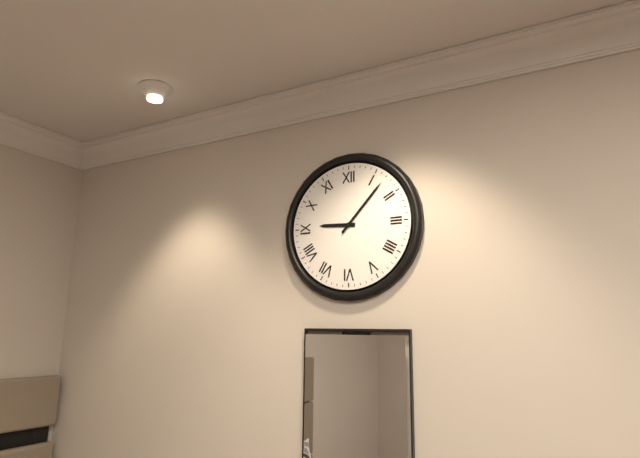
h=9 m=7
